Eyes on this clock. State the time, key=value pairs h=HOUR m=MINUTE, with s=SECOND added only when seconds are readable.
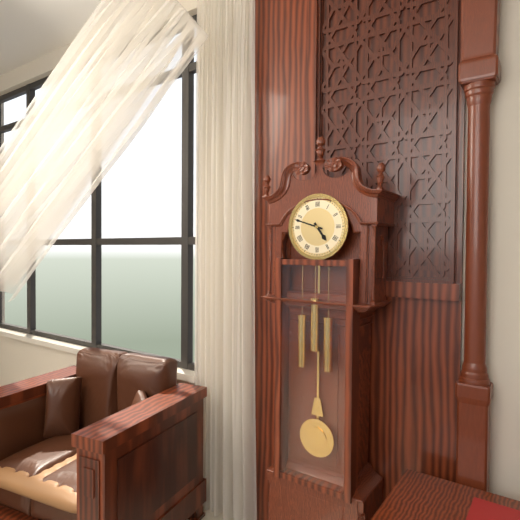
h=4 m=48
